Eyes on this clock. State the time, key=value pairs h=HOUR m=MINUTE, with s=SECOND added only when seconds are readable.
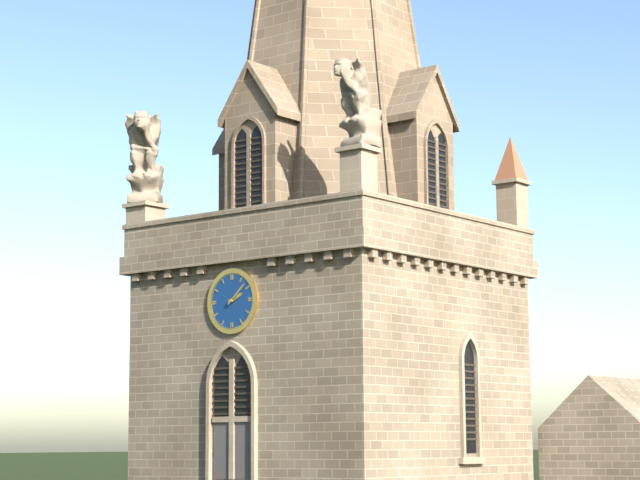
h=2 m=8
